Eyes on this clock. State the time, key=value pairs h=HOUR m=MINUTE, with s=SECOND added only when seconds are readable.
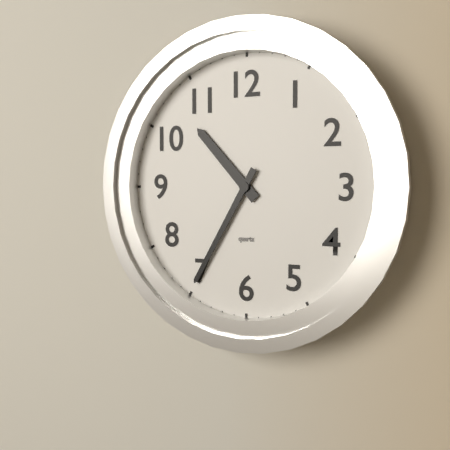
h=10 m=35
